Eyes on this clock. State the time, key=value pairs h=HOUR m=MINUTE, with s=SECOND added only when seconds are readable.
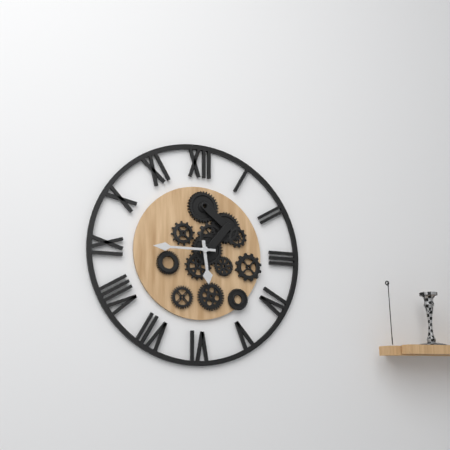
h=5 m=45
